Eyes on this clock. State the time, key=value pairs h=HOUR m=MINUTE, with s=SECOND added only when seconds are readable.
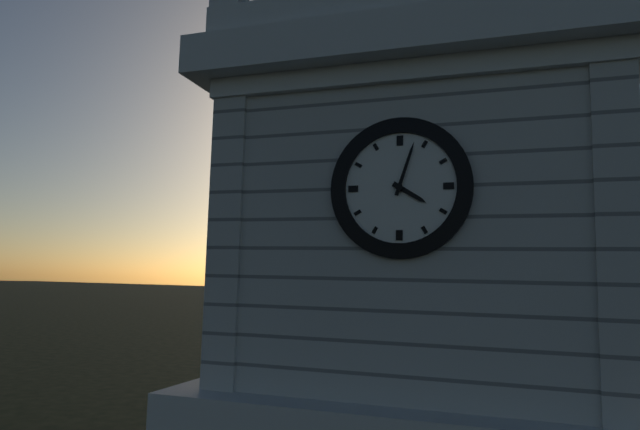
h=4 m=3
